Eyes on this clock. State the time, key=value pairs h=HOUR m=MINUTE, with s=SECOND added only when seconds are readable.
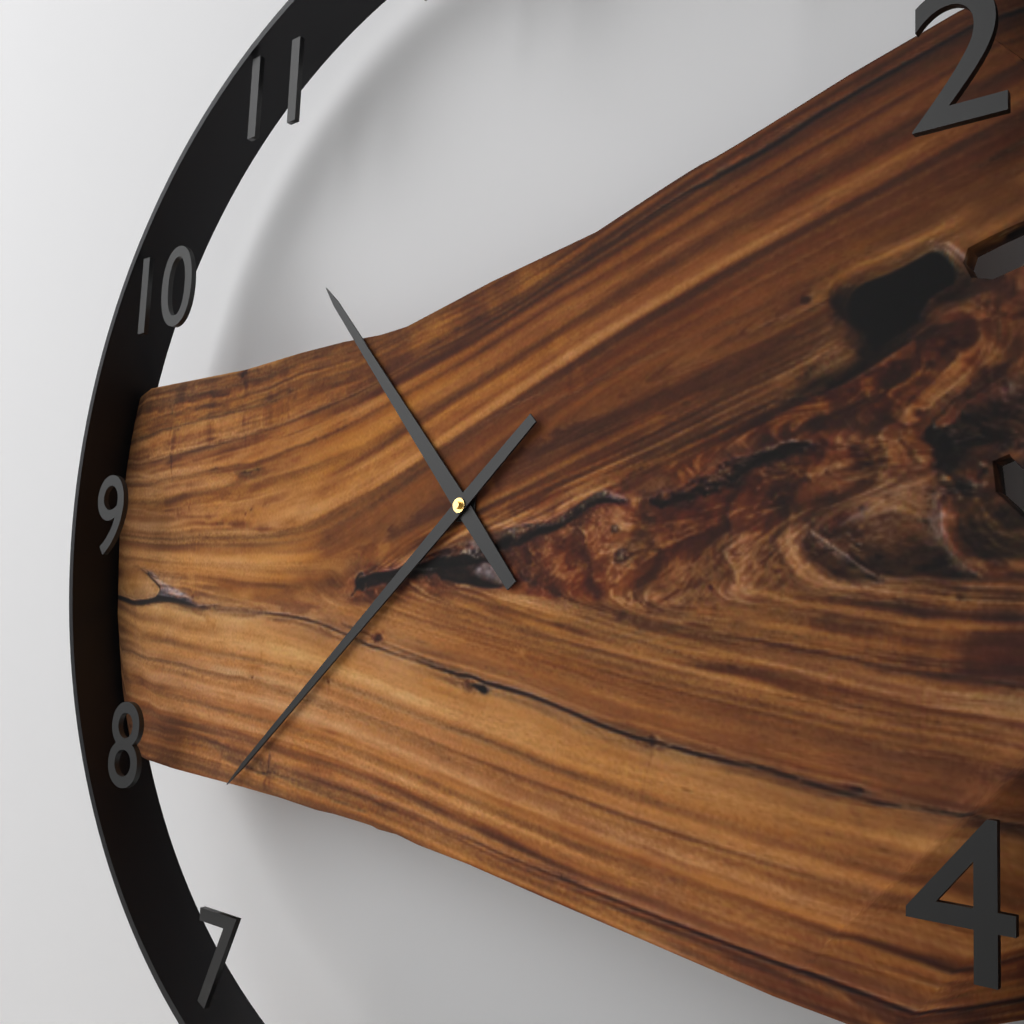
h=10 m=38
